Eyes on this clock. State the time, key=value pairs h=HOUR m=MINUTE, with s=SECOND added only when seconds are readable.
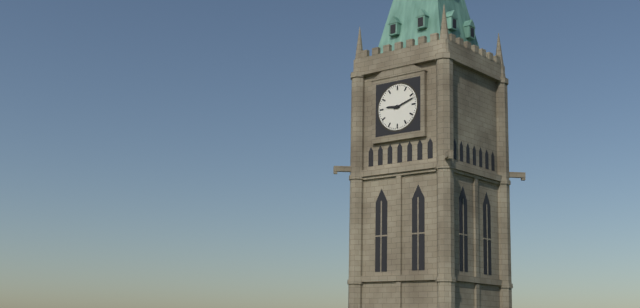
h=9 m=12
